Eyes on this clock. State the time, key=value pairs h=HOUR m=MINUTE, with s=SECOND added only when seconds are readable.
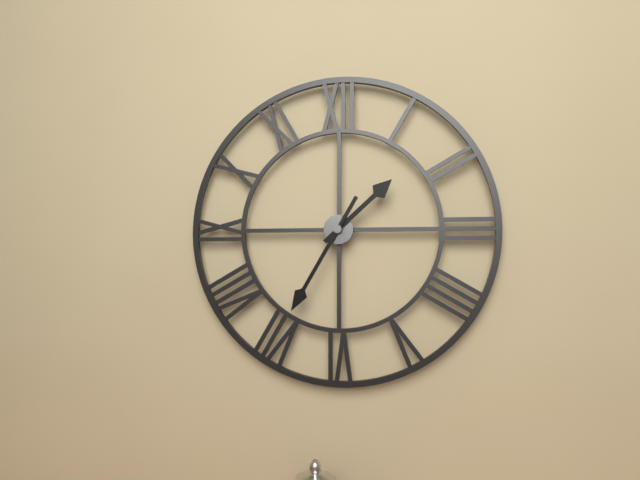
h=1 m=35
